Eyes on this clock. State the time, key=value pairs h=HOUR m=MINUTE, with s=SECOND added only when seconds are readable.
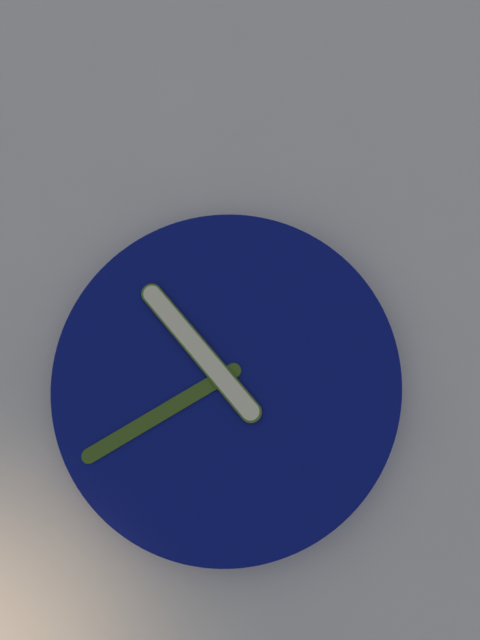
h=10 m=40
